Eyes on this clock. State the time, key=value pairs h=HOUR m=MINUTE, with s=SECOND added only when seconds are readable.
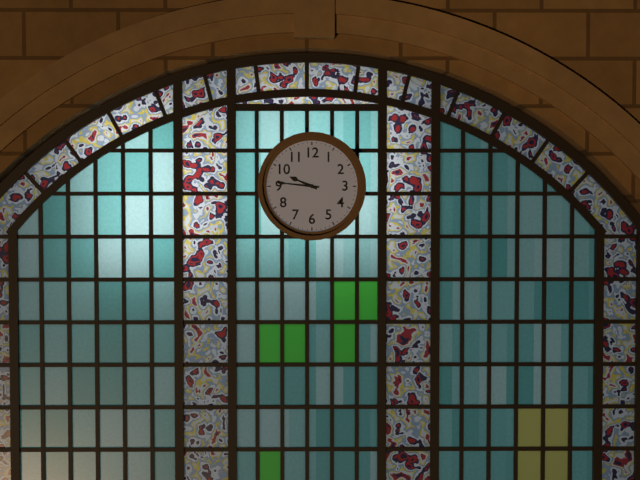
h=9 m=46
